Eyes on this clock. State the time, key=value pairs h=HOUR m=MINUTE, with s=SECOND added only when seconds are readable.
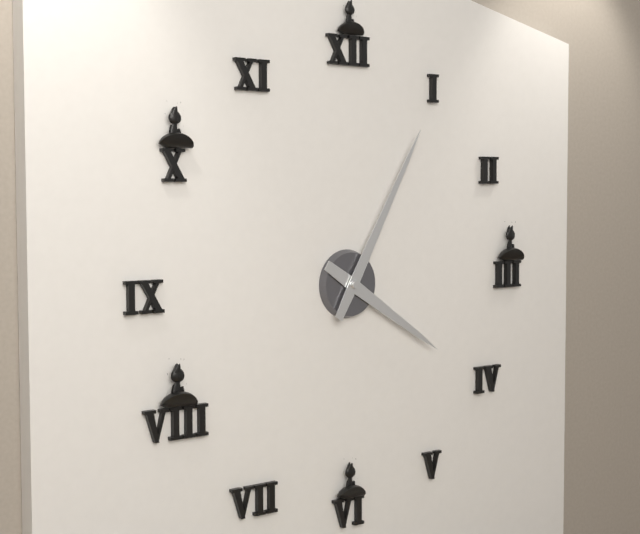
h=4 m=5
